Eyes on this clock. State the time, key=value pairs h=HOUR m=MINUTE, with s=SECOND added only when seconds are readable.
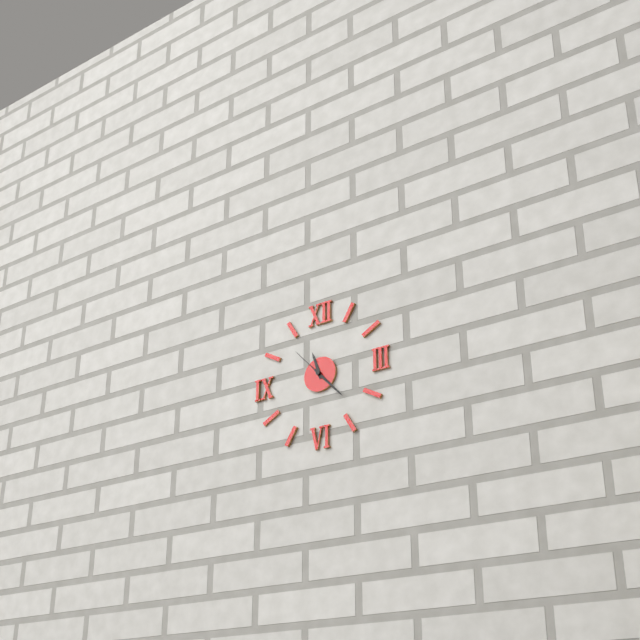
h=11 m=23
